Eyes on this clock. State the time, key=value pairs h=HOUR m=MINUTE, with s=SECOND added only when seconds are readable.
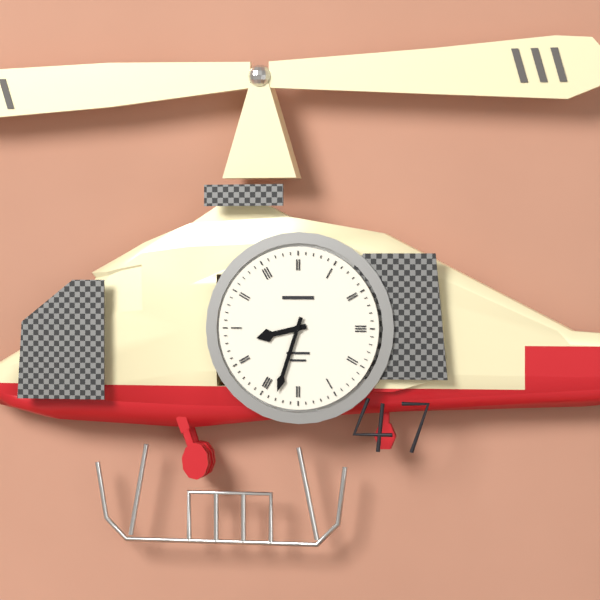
h=8 m=33
